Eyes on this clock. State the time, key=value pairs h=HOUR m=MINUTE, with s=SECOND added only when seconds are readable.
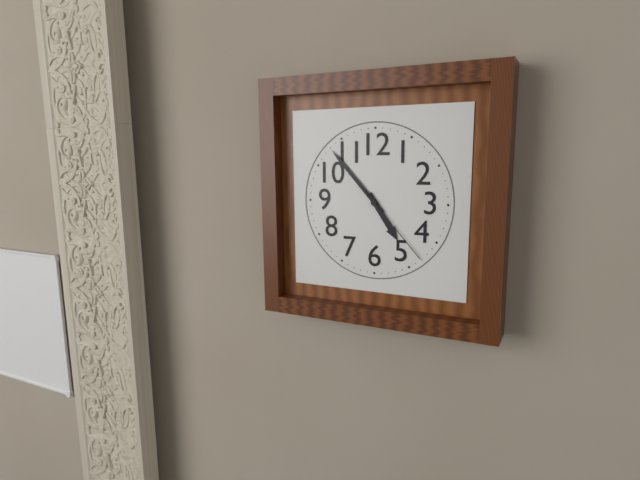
h=4 m=53 s=23
